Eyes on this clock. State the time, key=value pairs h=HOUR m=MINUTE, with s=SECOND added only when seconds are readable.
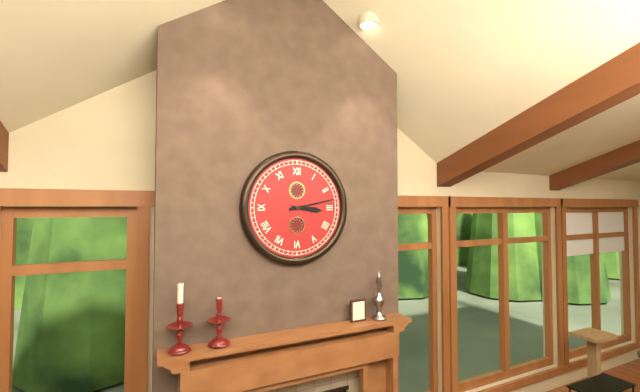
h=3 m=13
